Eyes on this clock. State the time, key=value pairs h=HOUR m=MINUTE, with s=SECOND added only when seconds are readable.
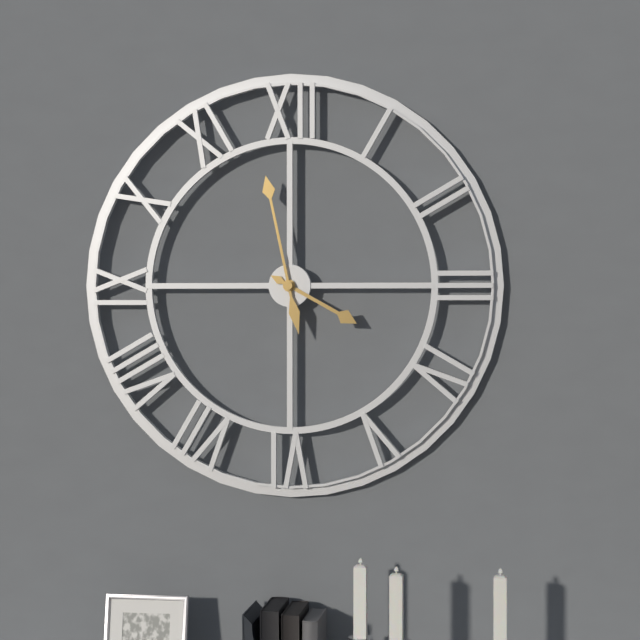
h=3 m=58
